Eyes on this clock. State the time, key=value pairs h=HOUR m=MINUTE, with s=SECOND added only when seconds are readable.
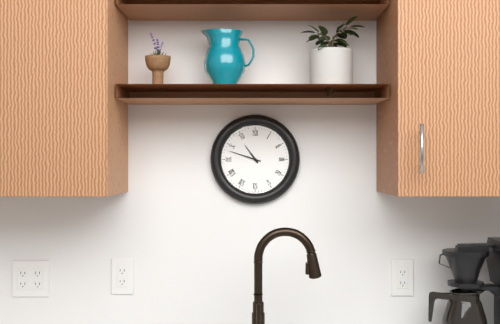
h=10 m=48
